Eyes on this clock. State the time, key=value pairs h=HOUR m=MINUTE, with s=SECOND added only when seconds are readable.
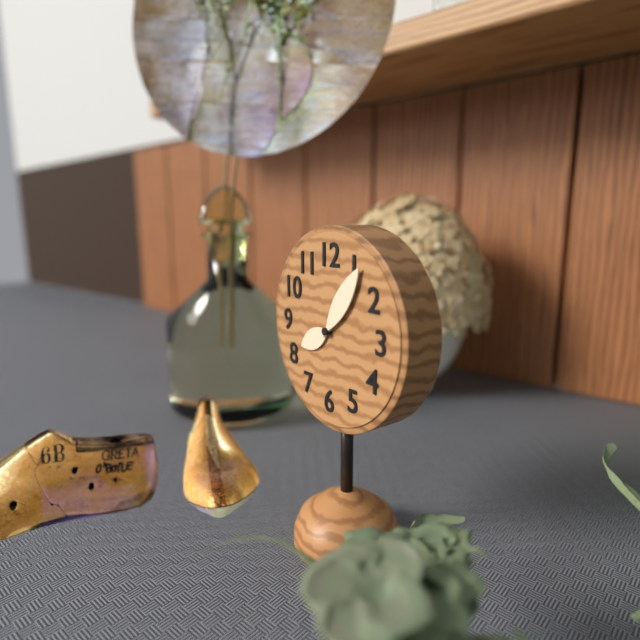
h=8 m=6
